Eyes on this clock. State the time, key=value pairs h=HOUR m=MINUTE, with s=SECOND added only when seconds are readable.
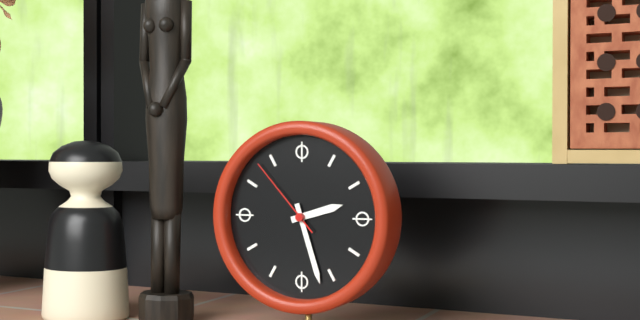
h=2 m=27 s=53
